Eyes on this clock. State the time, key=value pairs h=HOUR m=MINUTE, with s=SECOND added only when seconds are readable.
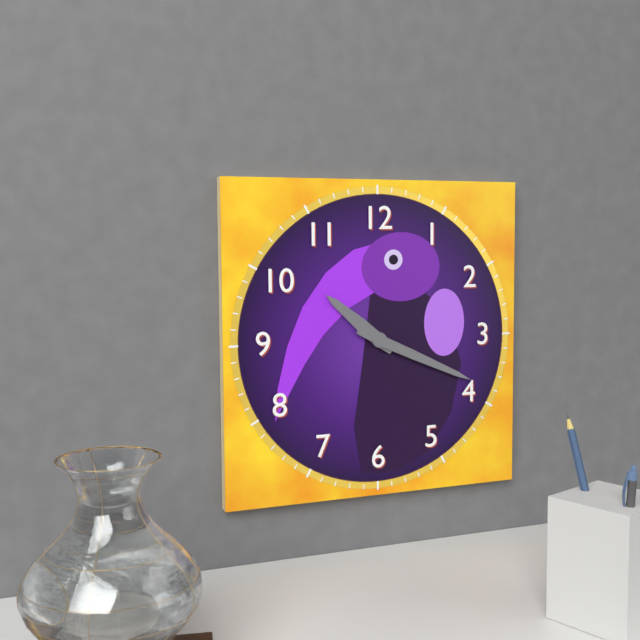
h=10 m=19
